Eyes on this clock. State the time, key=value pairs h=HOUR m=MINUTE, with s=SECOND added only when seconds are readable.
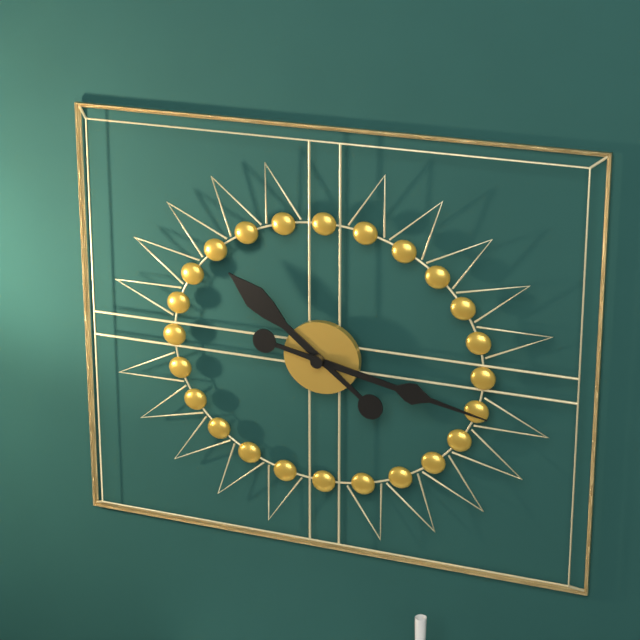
h=10 m=17
